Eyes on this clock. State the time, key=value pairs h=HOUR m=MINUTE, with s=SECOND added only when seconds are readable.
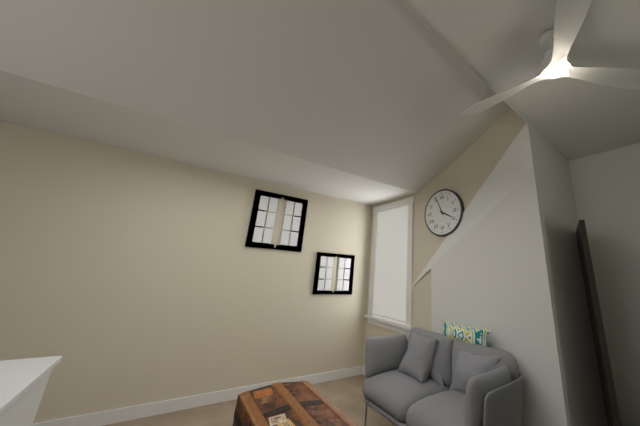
h=3 m=56
